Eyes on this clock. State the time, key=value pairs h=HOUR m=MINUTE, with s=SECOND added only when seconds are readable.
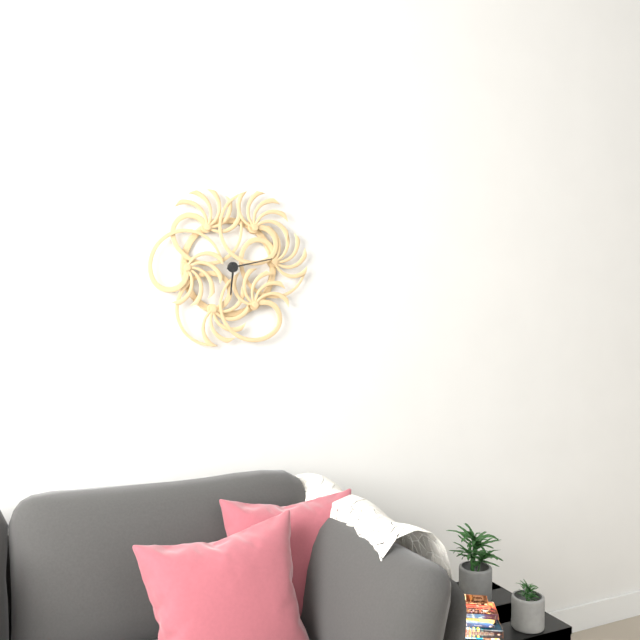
h=6 m=13
